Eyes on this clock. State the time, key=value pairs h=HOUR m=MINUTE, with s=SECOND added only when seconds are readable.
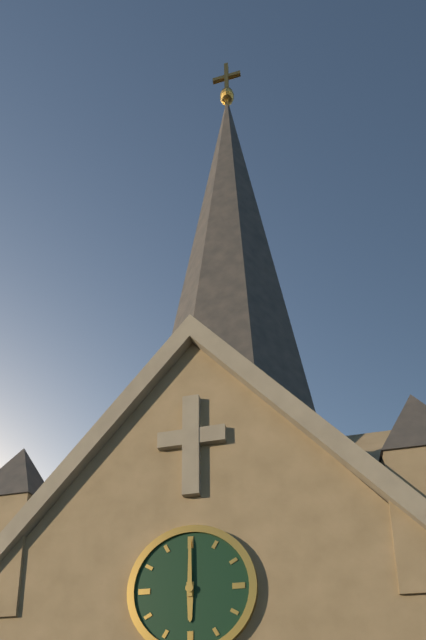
h=6 m=0
